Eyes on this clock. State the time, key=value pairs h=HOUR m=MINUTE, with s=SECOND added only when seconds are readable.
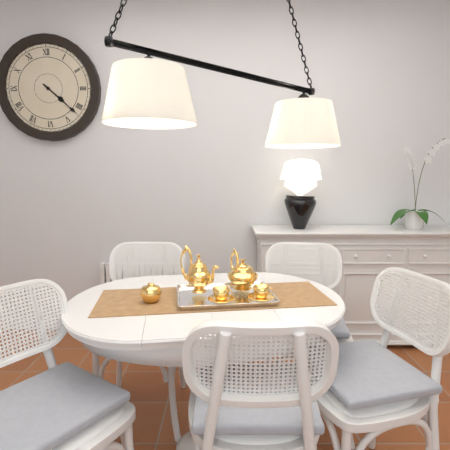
h=4 m=22
